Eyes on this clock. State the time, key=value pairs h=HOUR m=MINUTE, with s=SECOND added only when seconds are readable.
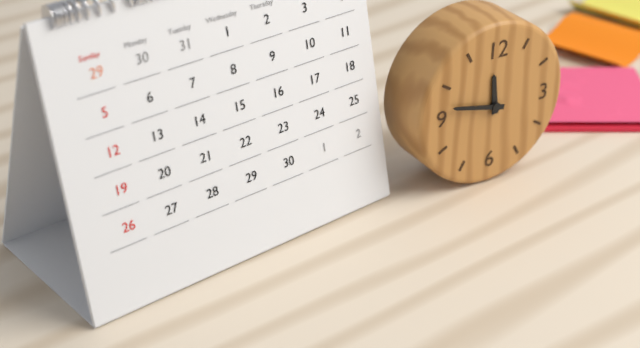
h=11 m=47
